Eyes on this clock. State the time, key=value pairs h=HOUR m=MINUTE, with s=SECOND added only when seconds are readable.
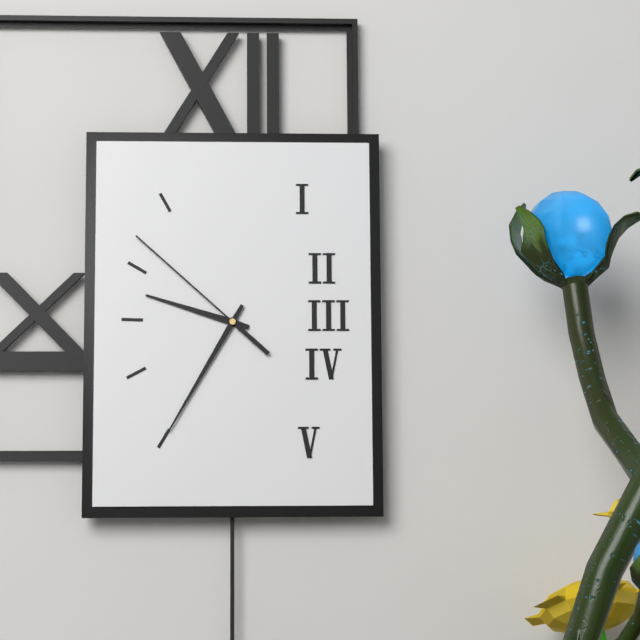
h=9 m=35 s=52
